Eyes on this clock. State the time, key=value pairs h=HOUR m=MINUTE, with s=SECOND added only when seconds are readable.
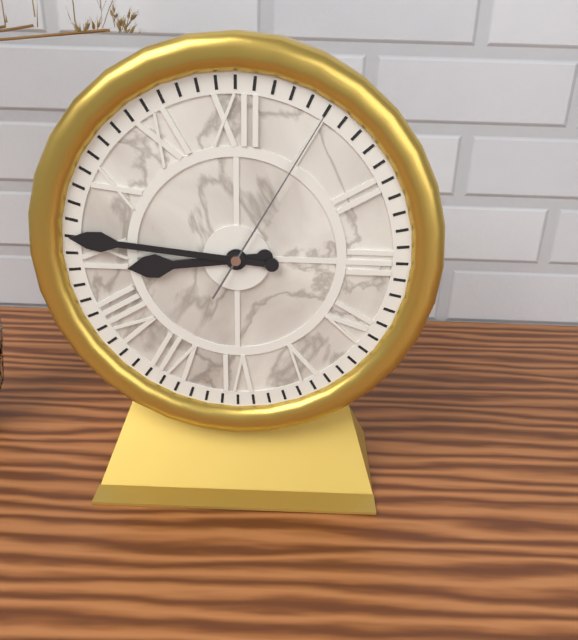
h=8 m=46 s=5
